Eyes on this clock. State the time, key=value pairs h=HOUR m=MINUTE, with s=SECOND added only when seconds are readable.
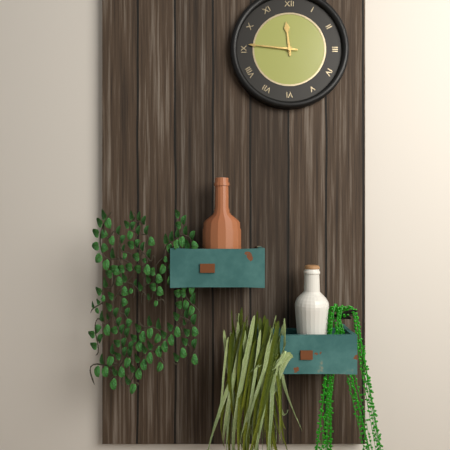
h=11 m=46
